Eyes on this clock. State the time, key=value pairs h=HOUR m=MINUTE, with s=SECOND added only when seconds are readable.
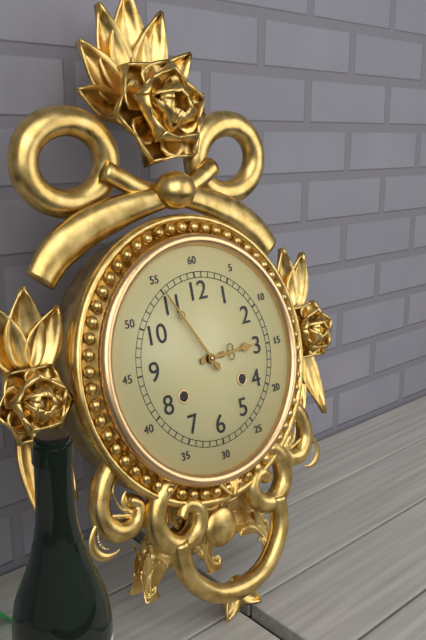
h=2 m=55
